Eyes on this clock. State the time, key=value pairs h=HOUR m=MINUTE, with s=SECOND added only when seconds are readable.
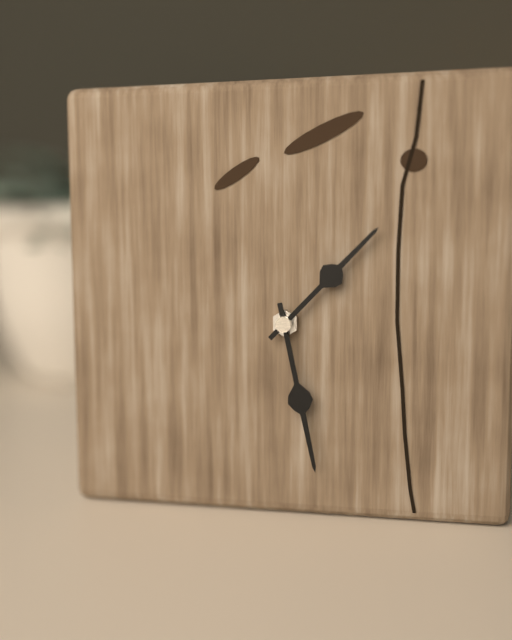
h=1 m=28
